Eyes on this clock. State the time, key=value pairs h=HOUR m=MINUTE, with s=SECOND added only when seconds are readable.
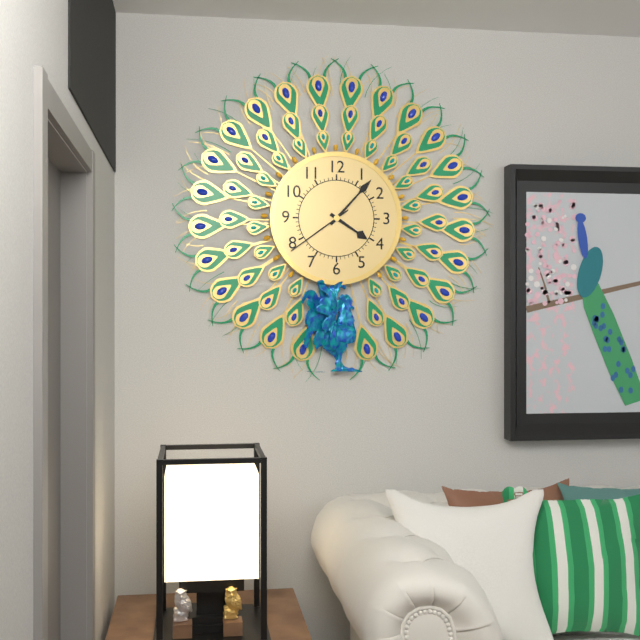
h=4 m=7 s=39
